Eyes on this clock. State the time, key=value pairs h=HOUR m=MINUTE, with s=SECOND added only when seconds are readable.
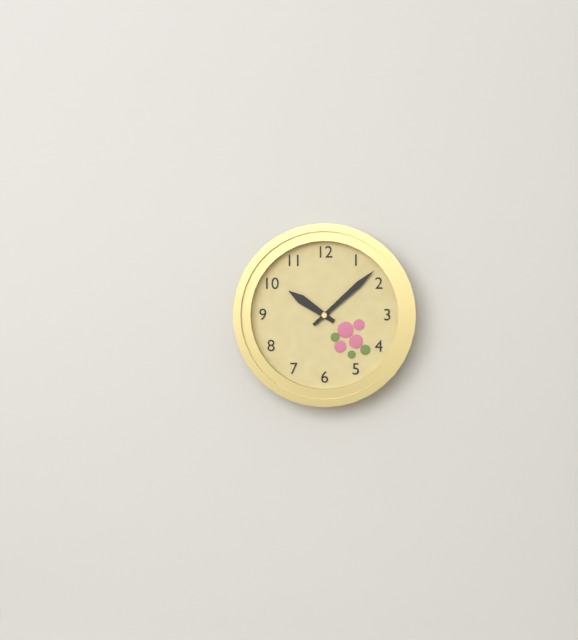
h=10 m=8
